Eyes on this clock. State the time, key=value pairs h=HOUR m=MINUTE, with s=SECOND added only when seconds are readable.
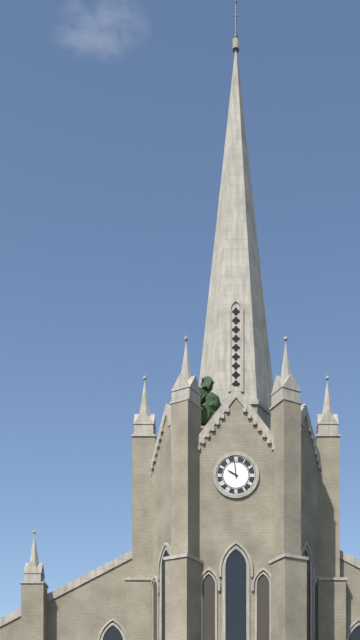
h=9 m=59
